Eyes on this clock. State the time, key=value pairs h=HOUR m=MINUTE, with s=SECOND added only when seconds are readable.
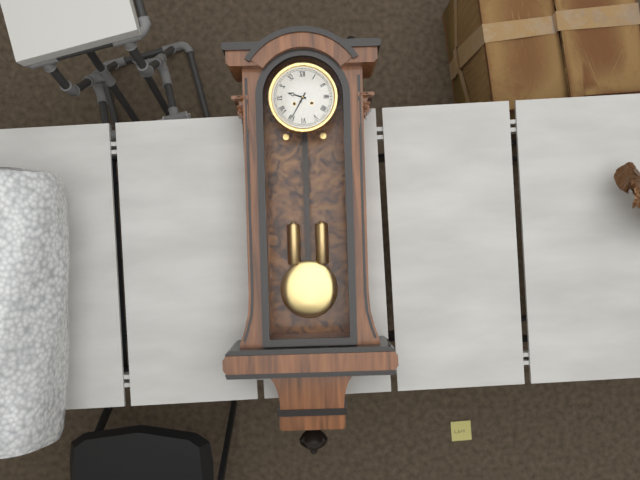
h=9 m=35
